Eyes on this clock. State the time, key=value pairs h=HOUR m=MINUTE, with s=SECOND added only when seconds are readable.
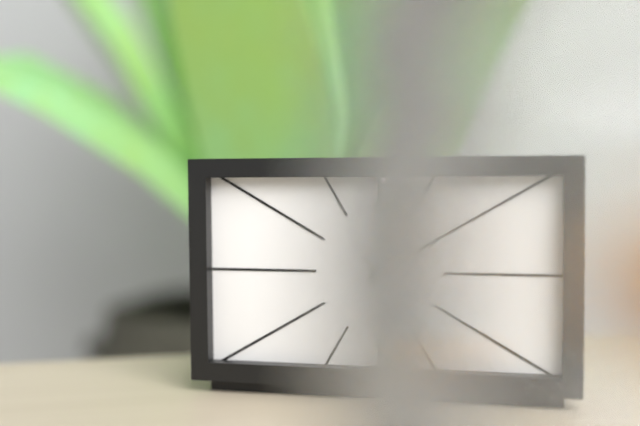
h=4 m=10 s=23
